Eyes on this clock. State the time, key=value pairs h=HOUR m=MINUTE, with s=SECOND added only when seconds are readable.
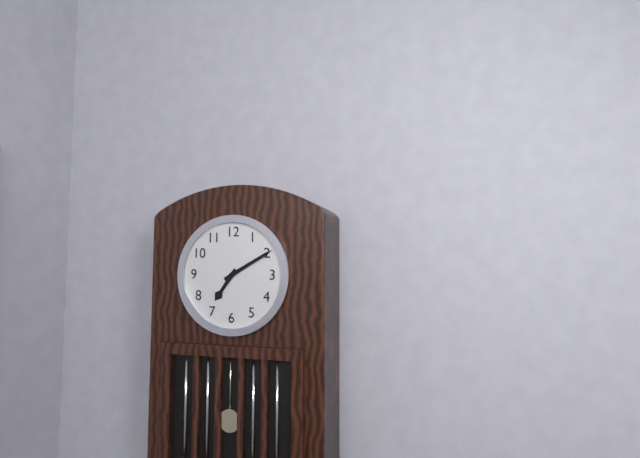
h=7 m=10
